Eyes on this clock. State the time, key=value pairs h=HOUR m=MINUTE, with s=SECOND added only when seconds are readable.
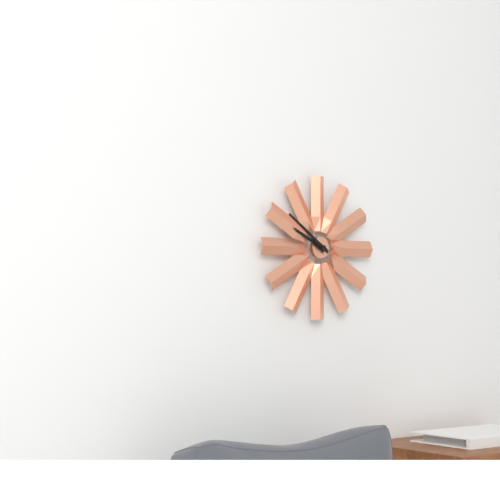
h=9 m=51
